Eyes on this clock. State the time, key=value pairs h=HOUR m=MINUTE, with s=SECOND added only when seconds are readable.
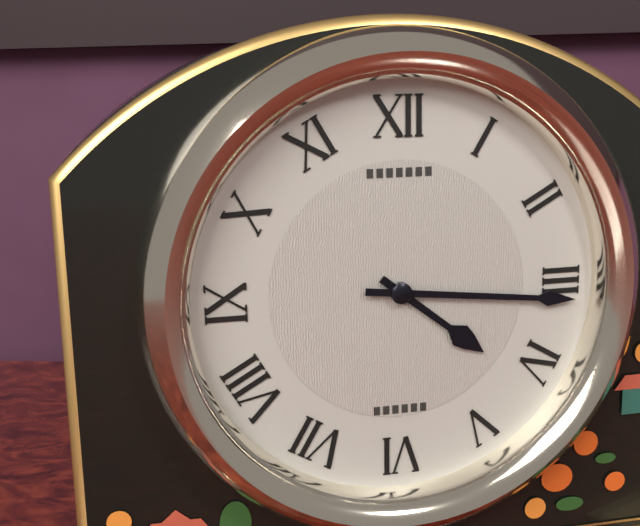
h=4 m=16
